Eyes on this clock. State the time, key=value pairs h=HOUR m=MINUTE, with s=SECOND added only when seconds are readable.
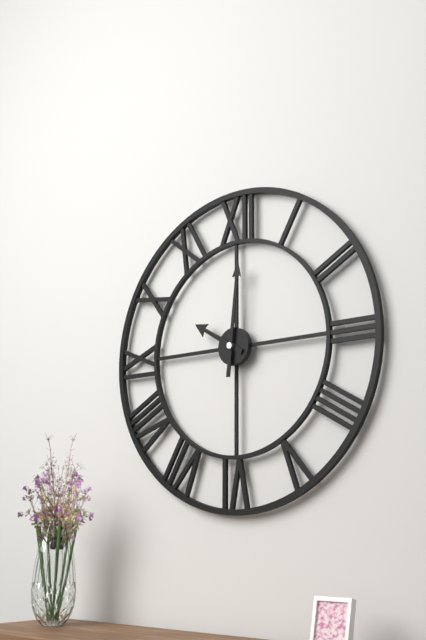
h=10 m=1
